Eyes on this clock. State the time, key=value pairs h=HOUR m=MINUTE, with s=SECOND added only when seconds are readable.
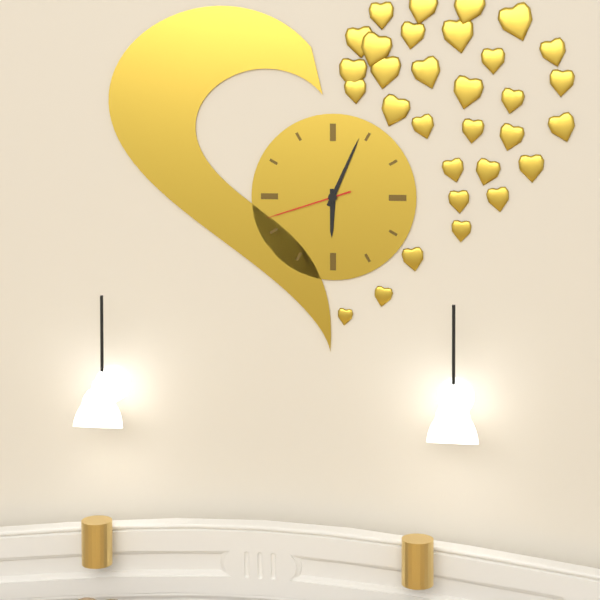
h=6 m=4 s=42
